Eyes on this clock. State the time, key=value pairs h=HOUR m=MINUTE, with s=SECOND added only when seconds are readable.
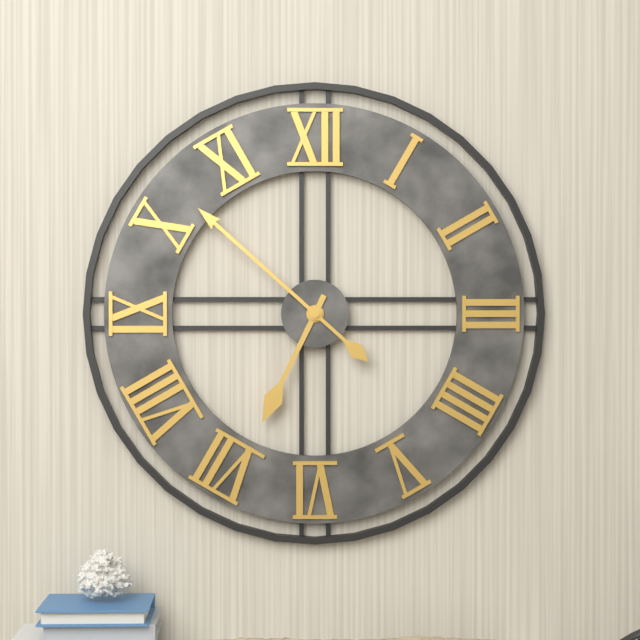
h=6 m=52
